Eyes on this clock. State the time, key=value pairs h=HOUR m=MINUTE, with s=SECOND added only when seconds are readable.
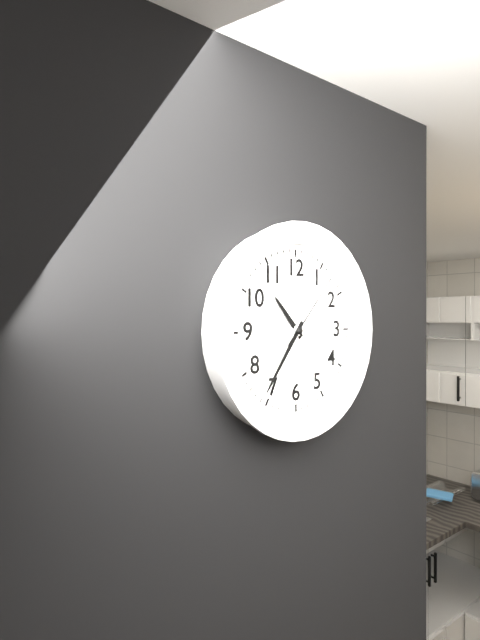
h=10 m=36 s=7
